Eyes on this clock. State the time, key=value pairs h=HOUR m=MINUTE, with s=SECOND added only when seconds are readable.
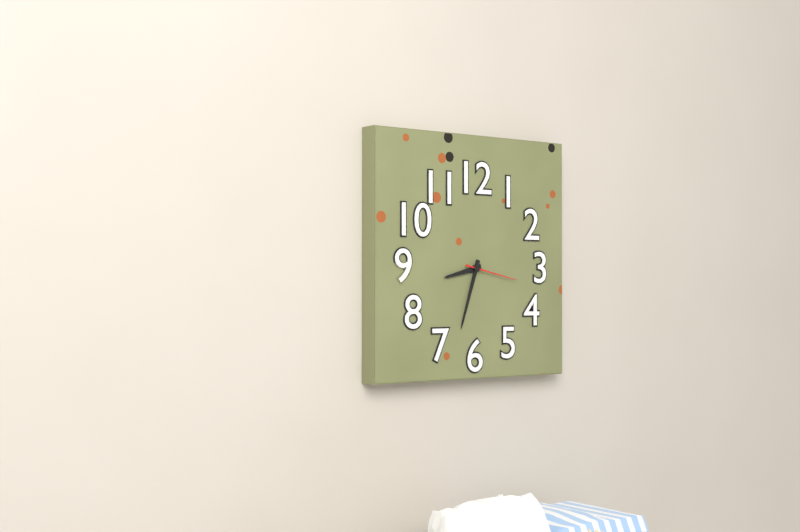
h=8 m=33 s=17
